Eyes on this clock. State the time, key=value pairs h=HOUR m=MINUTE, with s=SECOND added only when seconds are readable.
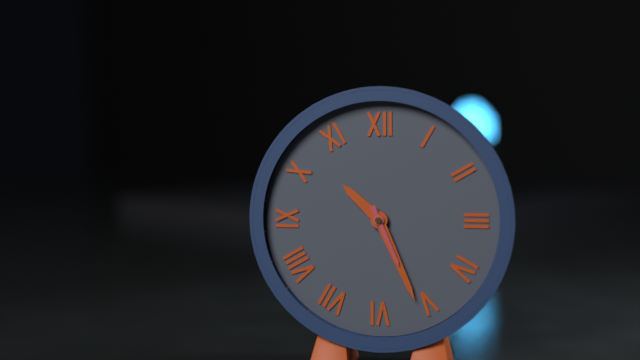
h=10 m=26 s=26
